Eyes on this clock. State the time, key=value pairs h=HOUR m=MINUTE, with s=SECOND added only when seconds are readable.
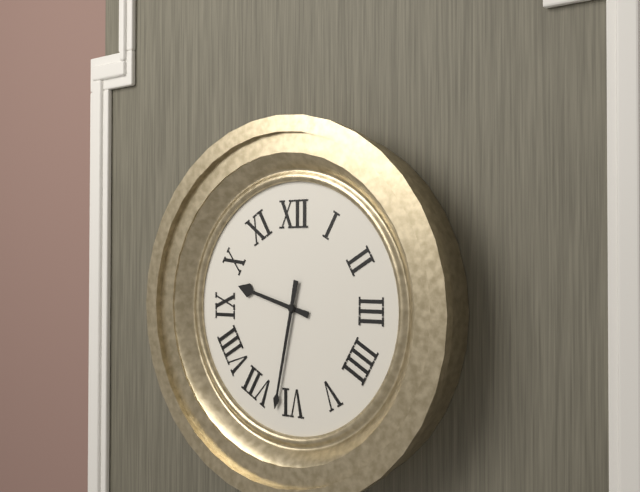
h=9 m=32
